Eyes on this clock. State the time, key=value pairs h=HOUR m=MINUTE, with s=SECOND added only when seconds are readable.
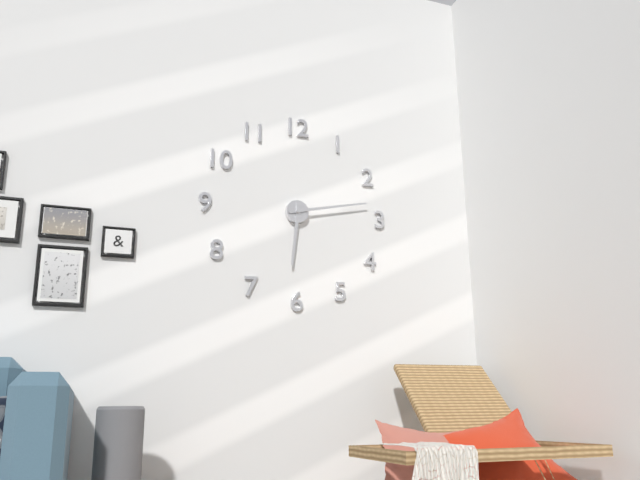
h=6 m=13
